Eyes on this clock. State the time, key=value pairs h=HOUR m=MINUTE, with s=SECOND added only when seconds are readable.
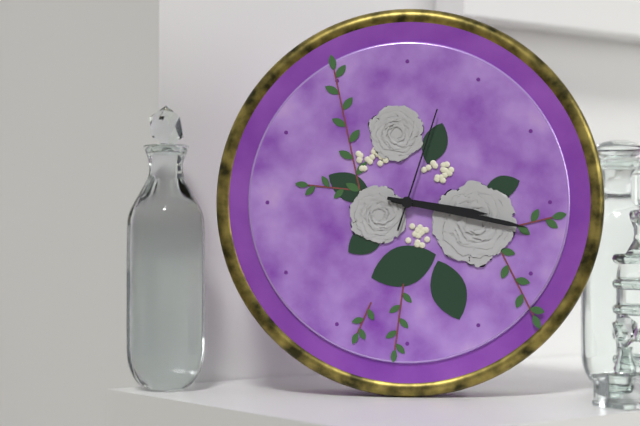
h=3 m=17 s=3
